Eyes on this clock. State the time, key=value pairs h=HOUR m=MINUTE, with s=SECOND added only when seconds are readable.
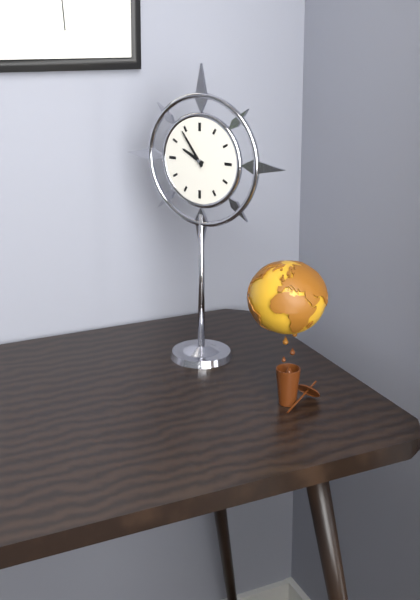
h=9 m=54
